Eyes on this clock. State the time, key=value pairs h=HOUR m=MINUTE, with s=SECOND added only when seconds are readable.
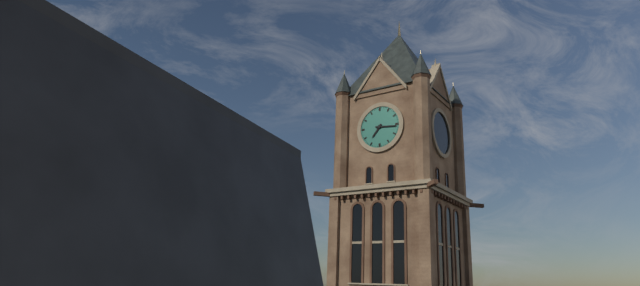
h=7 m=16
